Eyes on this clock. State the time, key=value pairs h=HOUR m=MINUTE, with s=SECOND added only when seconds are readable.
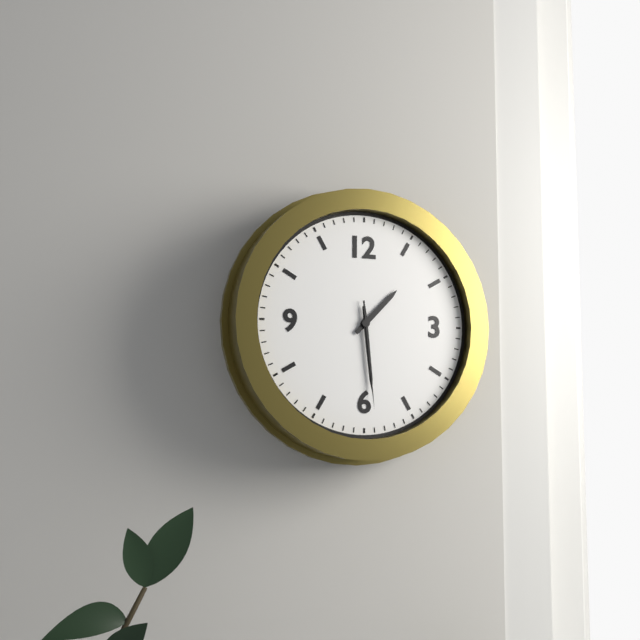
h=1 m=29 s=29
